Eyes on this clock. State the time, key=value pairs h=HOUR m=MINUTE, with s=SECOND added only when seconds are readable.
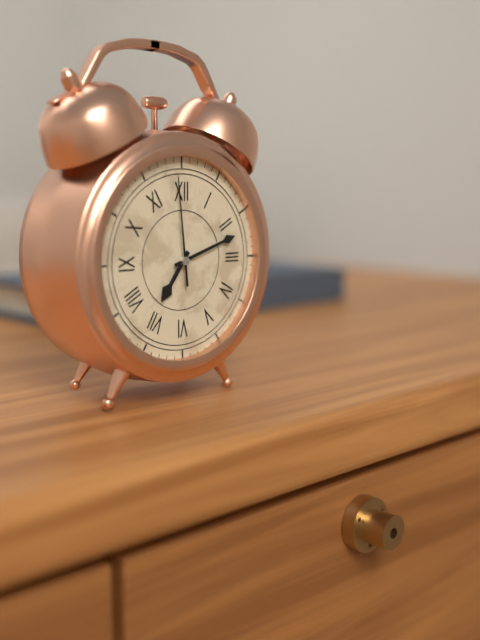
h=7 m=12 s=59
